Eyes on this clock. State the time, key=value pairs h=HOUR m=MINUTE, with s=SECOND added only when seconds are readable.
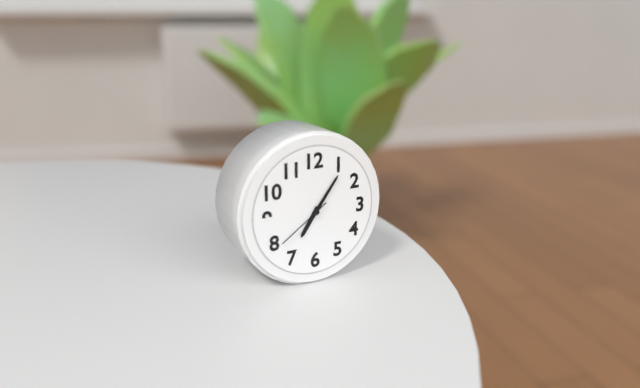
h=7 m=6 s=39
